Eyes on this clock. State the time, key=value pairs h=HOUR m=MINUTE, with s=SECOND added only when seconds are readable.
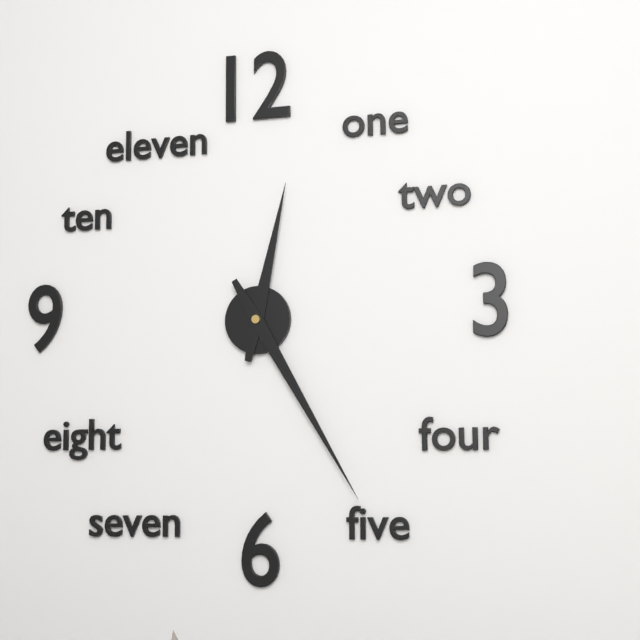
h=12 m=25
